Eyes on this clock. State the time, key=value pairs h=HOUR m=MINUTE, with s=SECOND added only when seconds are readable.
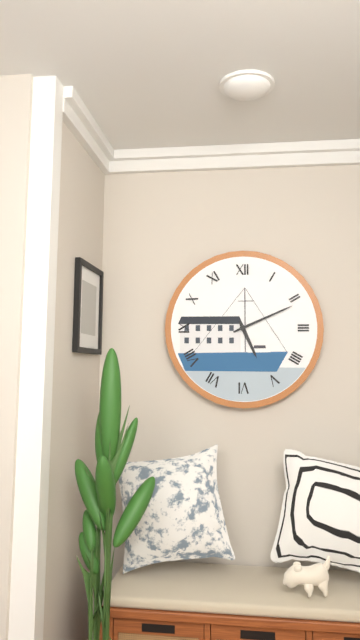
h=5 m=11
